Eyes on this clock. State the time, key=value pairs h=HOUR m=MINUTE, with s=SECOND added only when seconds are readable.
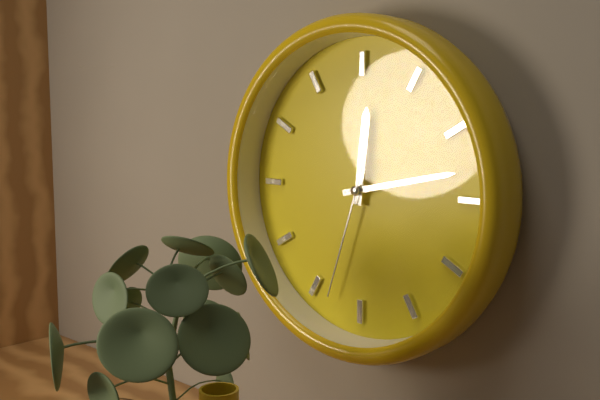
h=12 m=13 s=33
